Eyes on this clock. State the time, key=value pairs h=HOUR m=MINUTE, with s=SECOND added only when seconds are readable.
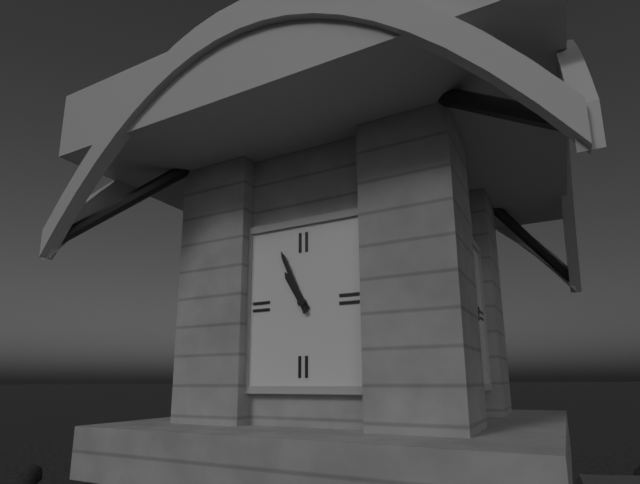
h=10 m=56
